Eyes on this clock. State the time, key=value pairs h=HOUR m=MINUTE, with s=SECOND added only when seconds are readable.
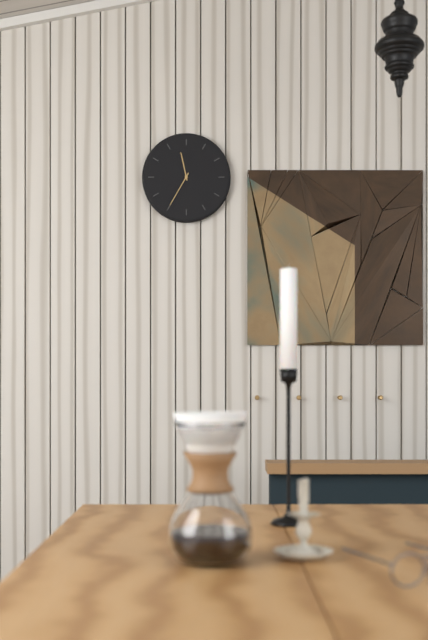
h=11 m=35
